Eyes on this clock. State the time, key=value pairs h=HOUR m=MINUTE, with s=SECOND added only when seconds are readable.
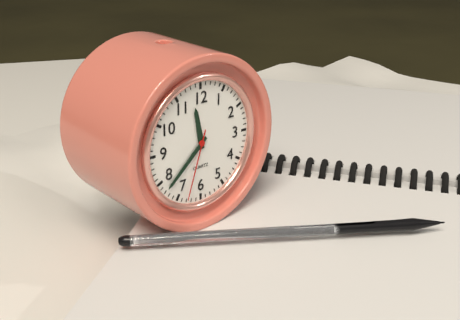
h=11 m=38 s=33
